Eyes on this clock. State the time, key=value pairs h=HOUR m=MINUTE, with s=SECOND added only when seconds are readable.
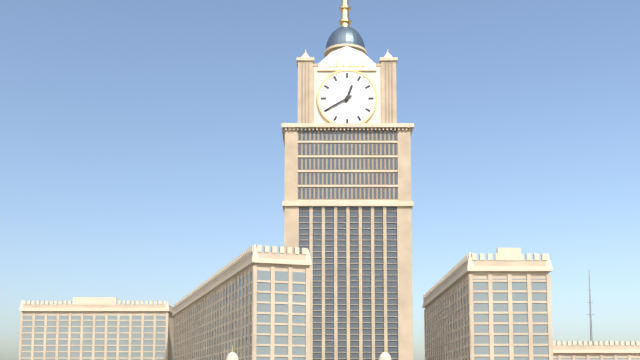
h=12 m=40
